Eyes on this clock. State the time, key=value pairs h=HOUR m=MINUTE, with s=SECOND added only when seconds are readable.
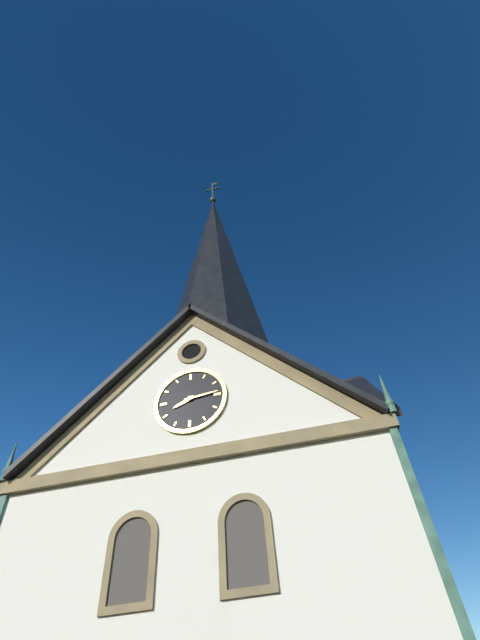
h=8 m=14
